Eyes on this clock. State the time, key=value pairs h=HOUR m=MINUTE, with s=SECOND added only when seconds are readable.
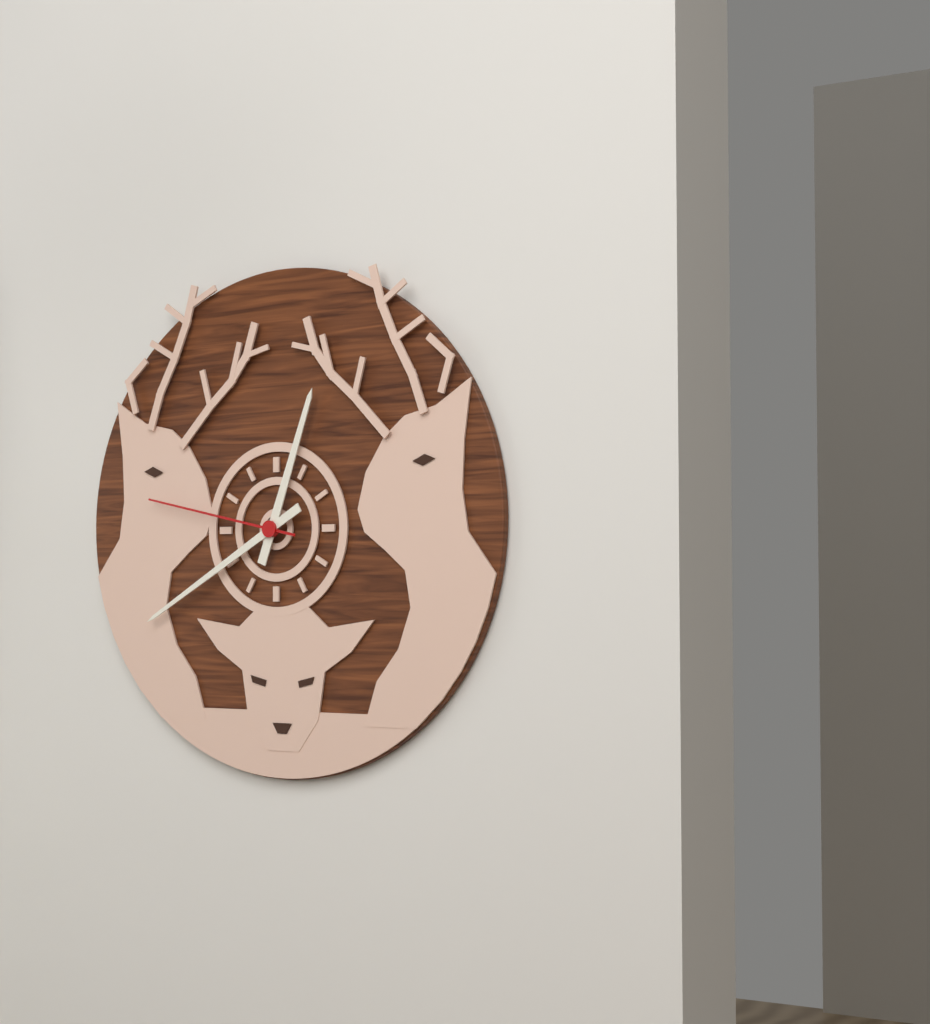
h=12 m=40 s=47
